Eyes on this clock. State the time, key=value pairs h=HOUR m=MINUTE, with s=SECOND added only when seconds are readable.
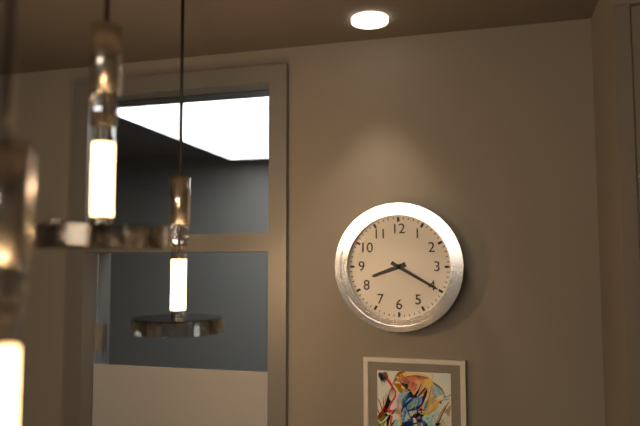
h=8 m=20
